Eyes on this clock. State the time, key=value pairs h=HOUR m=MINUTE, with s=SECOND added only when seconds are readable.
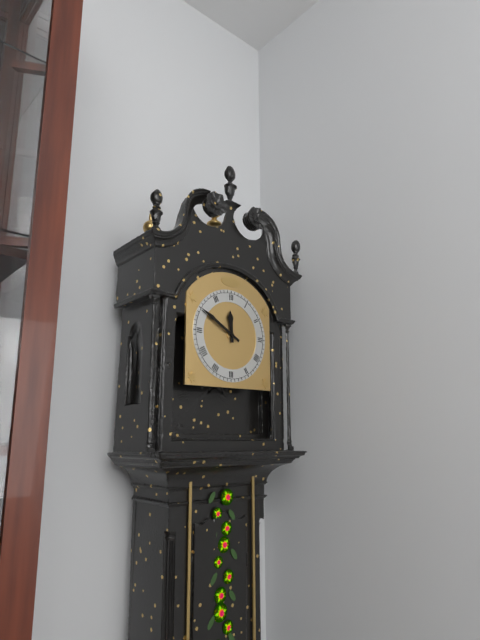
h=11 m=50
